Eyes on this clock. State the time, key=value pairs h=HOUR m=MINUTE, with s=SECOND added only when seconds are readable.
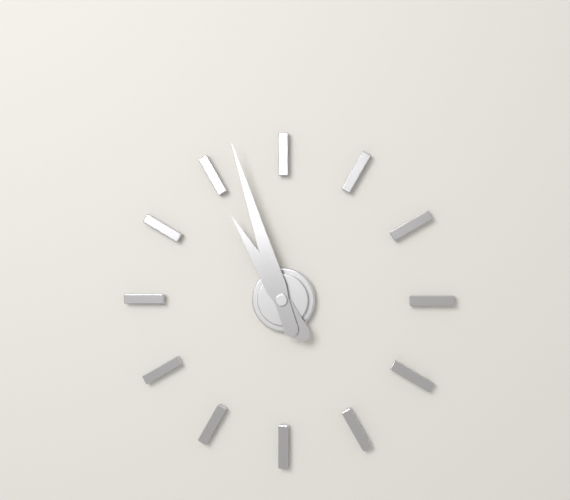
h=10 m=57
